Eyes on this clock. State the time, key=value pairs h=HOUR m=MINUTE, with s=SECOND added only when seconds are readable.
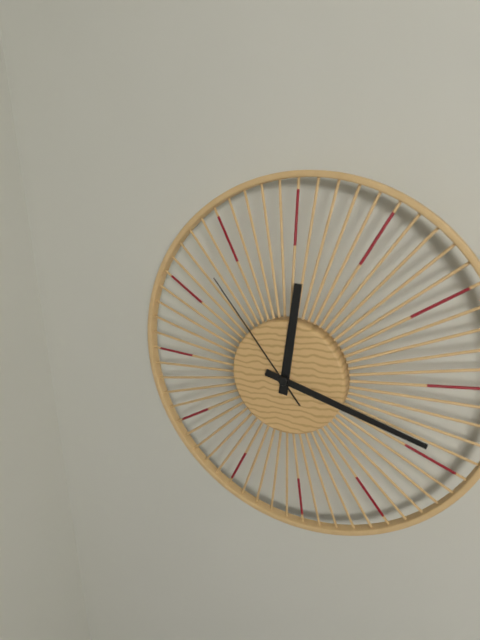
h=12 m=18 s=54
